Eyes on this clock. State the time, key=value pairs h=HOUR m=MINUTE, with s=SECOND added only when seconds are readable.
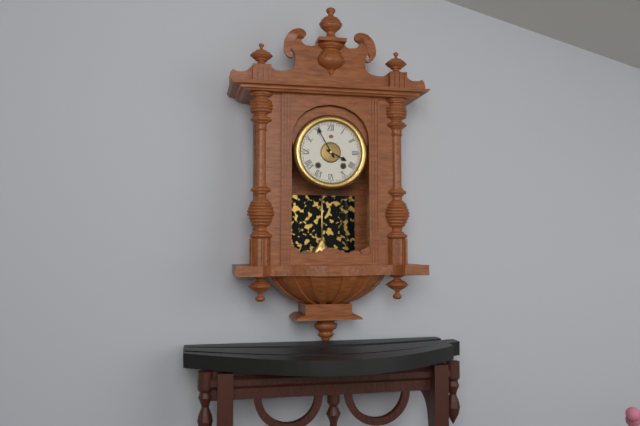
h=3 m=55
